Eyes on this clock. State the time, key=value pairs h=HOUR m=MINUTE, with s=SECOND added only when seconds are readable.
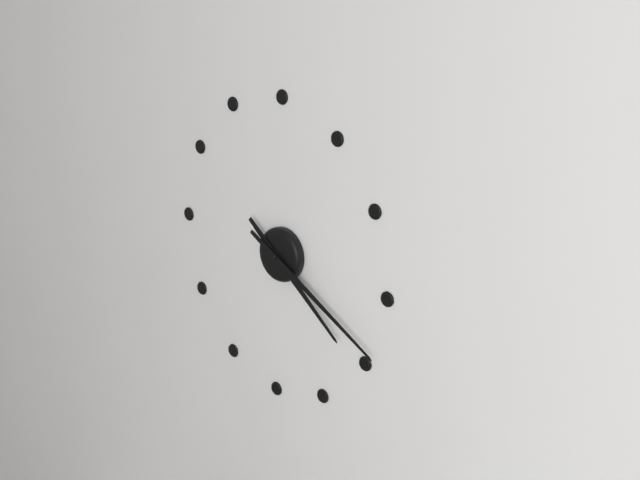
h=4 m=20
